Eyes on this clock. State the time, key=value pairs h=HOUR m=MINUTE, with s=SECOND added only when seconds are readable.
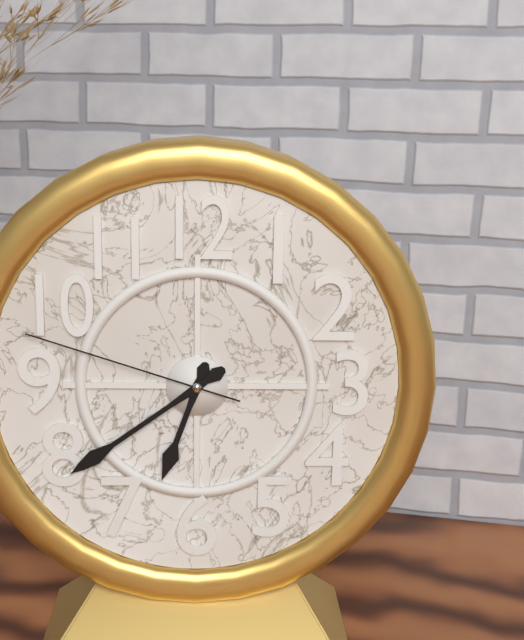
h=6 m=39 s=48
